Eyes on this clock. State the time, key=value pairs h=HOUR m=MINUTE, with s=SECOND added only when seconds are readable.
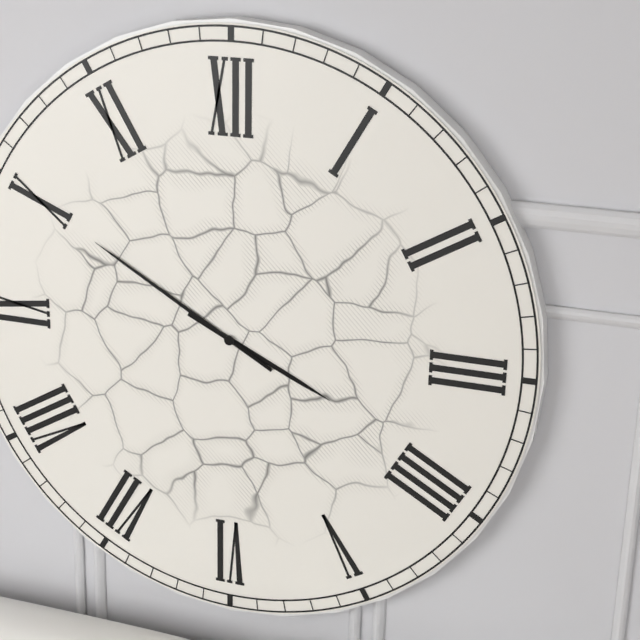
h=3 m=50
